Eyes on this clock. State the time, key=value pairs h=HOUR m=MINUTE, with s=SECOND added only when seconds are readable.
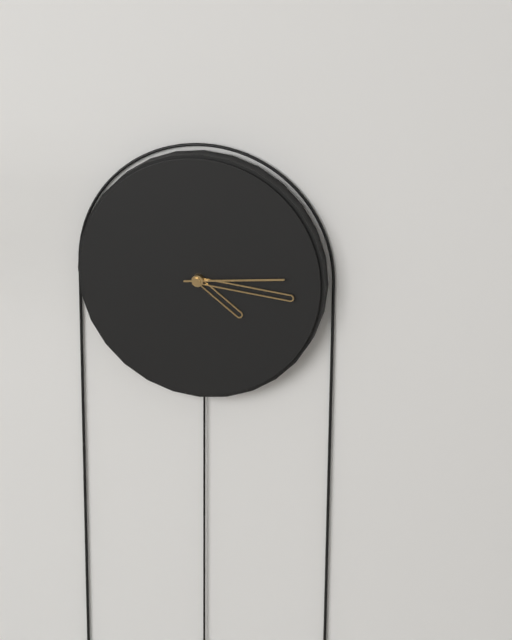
h=4 m=16 s=14
